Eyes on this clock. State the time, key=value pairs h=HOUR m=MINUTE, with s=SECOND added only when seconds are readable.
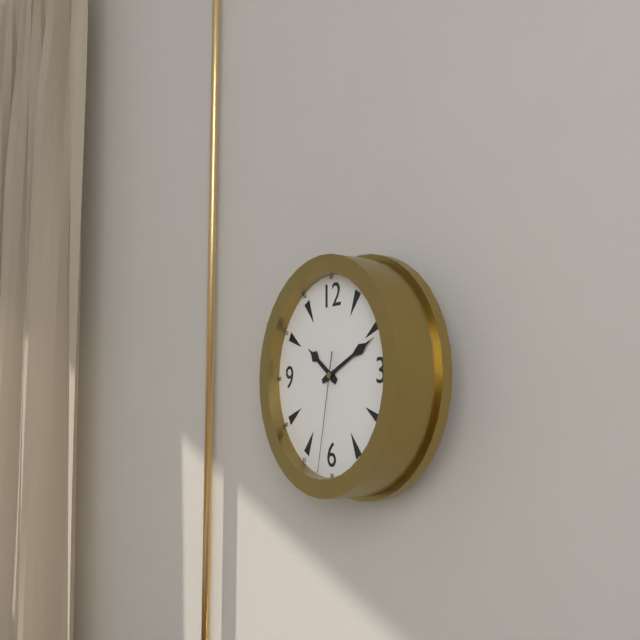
h=10 m=11 s=32
